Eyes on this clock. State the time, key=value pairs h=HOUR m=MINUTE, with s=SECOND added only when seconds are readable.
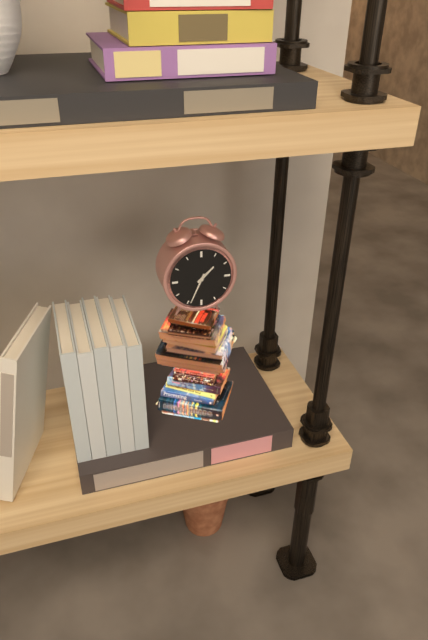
h=1 m=34
